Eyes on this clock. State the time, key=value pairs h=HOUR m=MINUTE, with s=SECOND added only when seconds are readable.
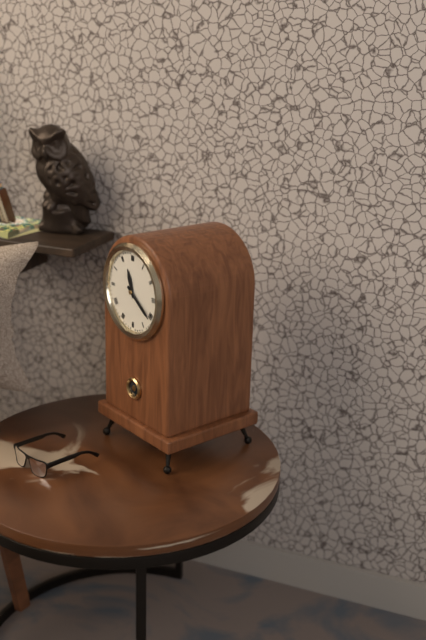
h=11 m=21
